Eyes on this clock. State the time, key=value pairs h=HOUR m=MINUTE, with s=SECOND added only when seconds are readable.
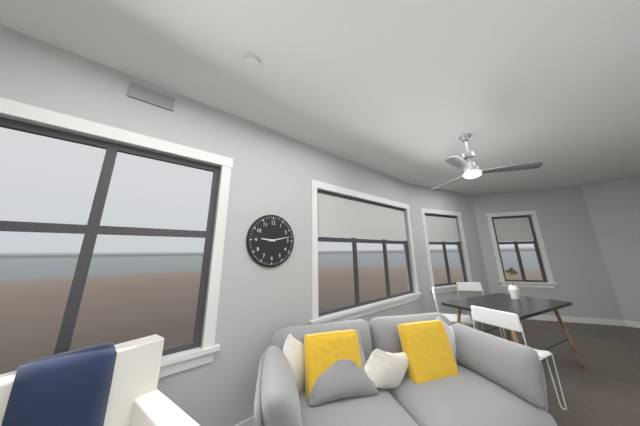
h=9 m=13
